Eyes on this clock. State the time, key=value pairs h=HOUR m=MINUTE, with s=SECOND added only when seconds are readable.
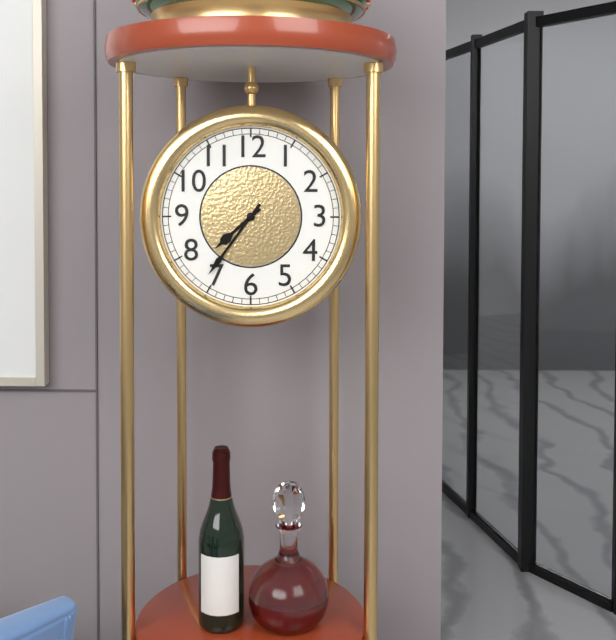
h=7 m=36
